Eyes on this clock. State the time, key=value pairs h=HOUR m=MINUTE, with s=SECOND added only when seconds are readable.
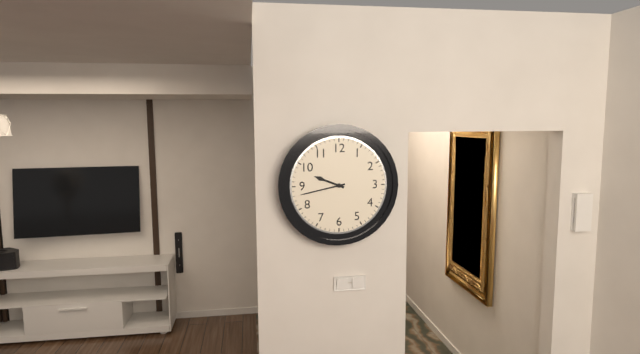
h=9 m=43
